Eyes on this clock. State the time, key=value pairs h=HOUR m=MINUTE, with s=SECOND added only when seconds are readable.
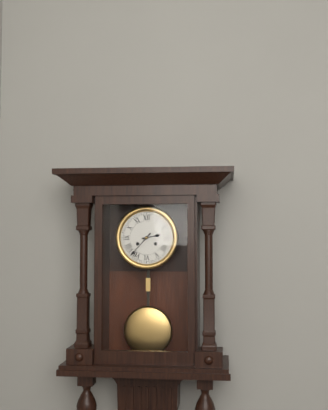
h=2 m=37
